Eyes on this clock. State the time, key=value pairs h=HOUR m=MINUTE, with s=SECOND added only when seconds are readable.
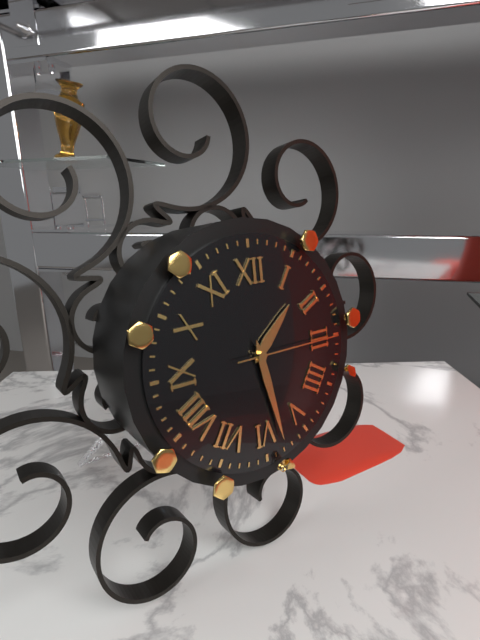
h=1 m=28 s=15
